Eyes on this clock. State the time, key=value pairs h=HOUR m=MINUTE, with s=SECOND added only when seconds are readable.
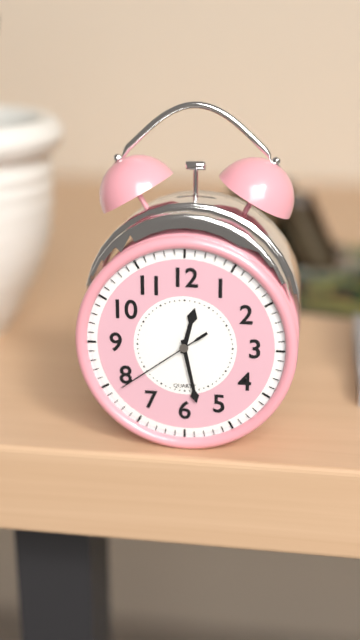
h=12 m=28 s=39
